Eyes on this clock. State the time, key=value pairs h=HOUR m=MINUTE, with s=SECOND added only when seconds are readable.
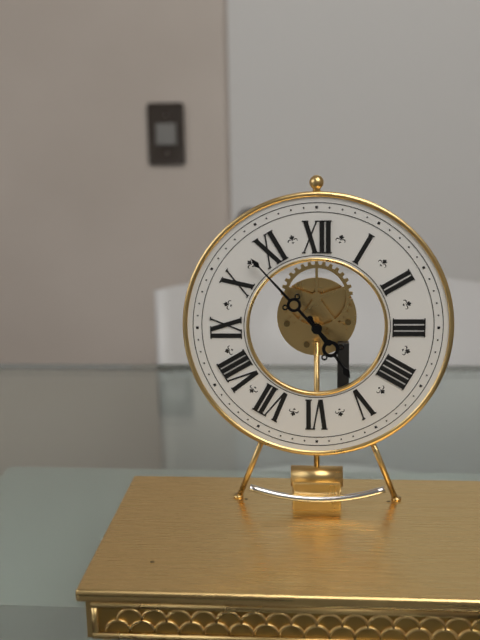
h=4 m=53
